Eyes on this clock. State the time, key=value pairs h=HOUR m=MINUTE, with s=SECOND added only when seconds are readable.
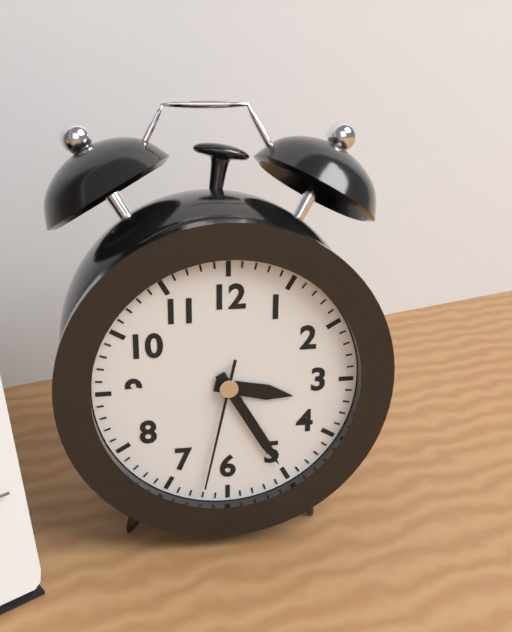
h=3 m=25 s=32
